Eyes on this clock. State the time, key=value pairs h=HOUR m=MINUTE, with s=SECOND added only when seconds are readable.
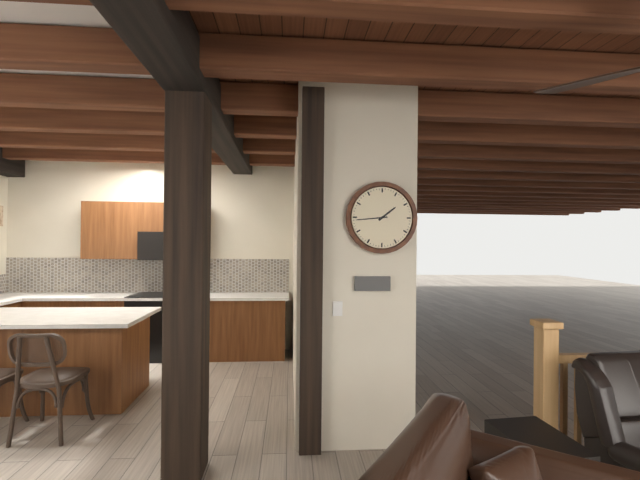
h=1 m=44
